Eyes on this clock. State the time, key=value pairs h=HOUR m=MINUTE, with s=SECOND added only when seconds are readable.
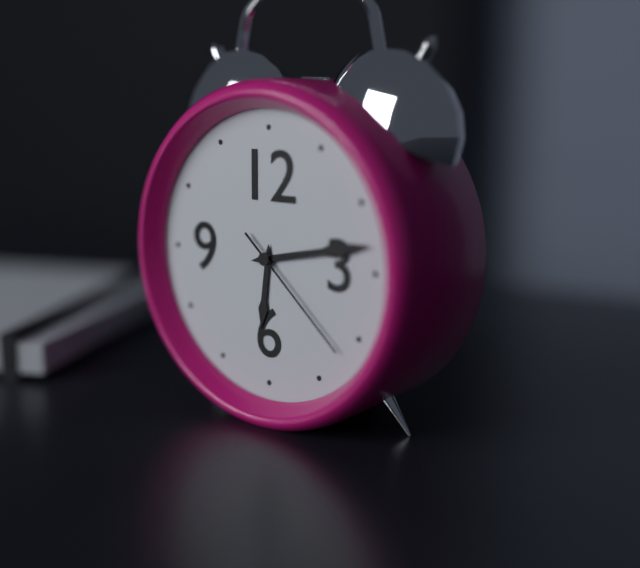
h=6 m=13 s=22
